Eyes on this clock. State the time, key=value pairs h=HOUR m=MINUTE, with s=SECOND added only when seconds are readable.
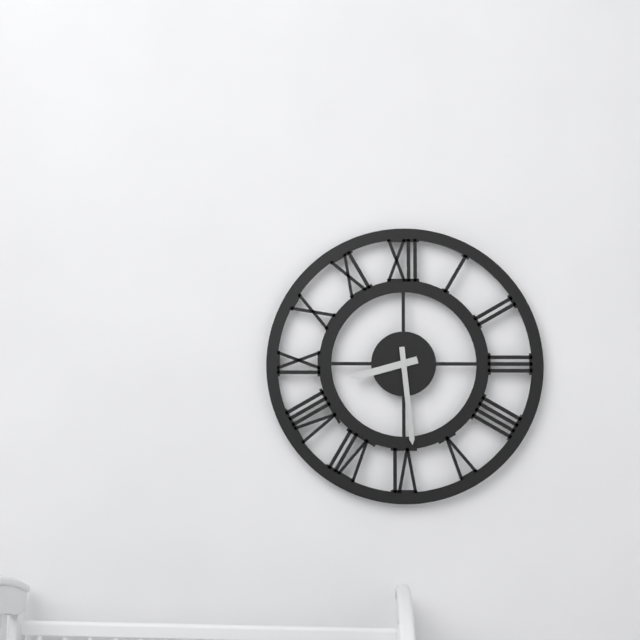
h=8 m=29
